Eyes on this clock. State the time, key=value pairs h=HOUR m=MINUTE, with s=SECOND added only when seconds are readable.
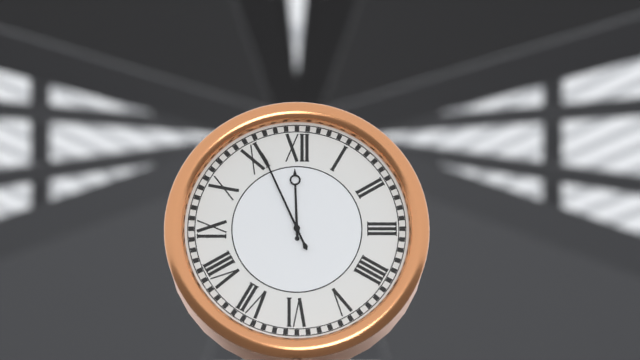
h=11 m=56
